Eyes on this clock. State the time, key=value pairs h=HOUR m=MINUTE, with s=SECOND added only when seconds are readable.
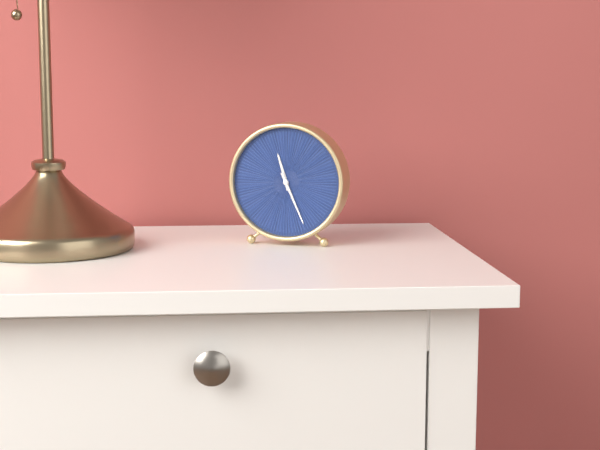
h=11 m=26
